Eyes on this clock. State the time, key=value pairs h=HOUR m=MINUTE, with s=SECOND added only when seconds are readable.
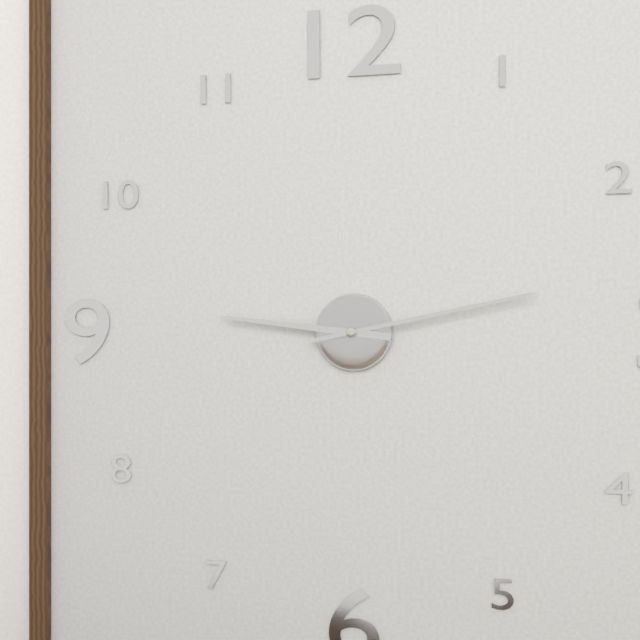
h=9 m=13
